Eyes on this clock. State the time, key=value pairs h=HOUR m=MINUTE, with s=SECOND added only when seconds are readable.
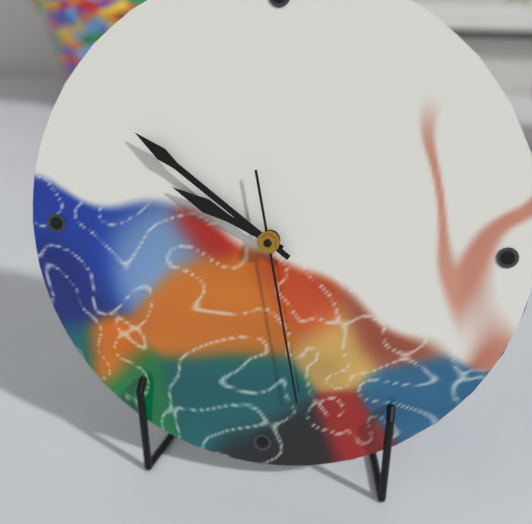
h=9 m=51 s=28
